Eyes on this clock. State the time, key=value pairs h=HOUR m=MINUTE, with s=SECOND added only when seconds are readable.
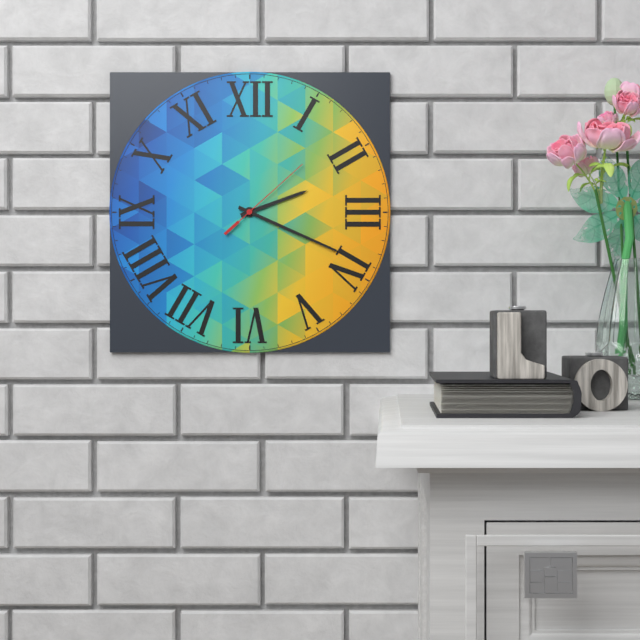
h=2 m=19 s=8
